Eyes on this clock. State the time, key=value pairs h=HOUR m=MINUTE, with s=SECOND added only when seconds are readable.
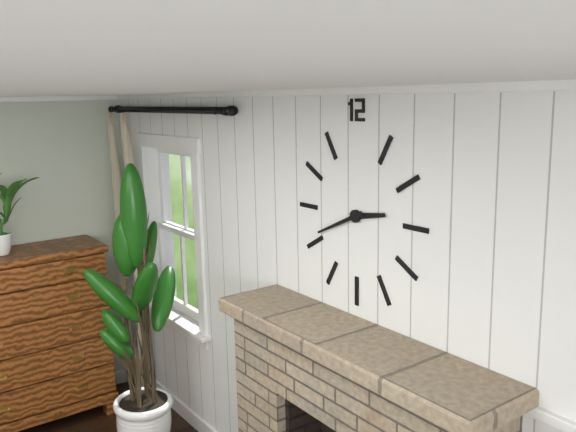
h=2 m=41
